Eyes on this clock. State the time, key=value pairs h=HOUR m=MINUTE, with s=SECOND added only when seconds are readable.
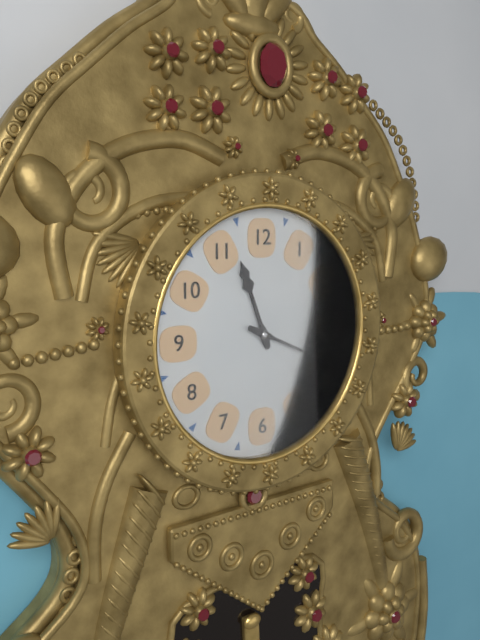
h=11 m=19
